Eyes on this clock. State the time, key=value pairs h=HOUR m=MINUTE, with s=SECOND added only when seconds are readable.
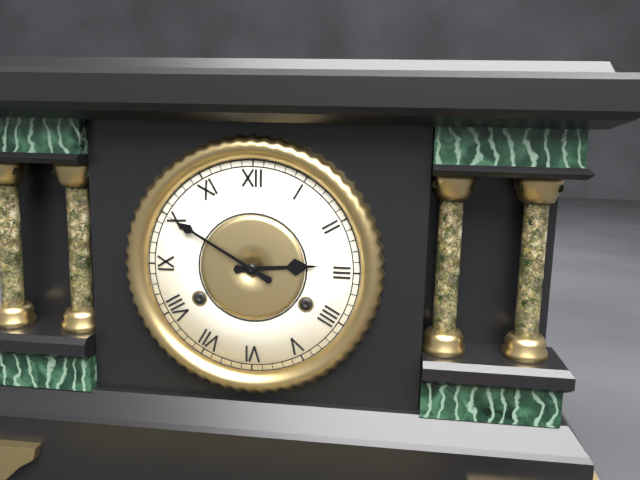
h=2 m=50
